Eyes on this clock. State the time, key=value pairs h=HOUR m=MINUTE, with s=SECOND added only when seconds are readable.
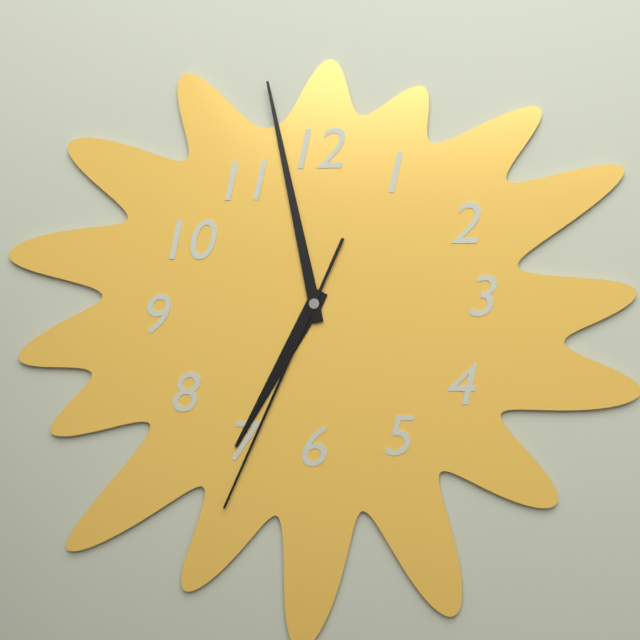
h=6 m=58 s=34
